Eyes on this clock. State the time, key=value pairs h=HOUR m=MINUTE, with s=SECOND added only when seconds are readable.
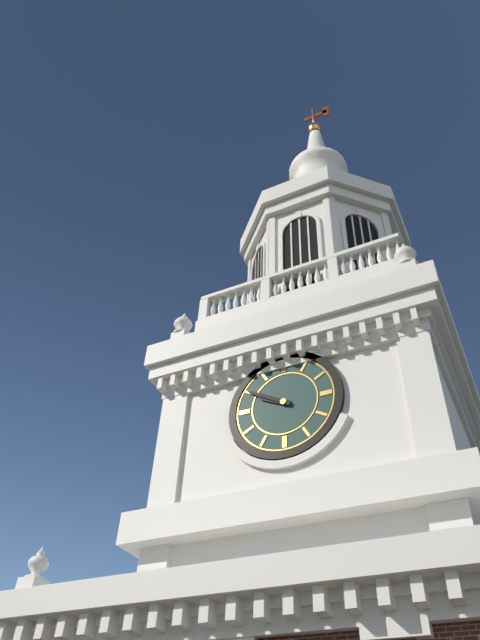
h=9 m=50
